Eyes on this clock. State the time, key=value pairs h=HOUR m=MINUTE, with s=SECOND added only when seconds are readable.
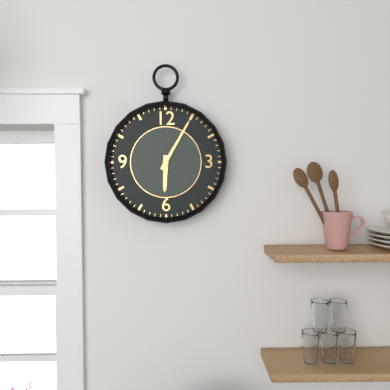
h=6 m=5
